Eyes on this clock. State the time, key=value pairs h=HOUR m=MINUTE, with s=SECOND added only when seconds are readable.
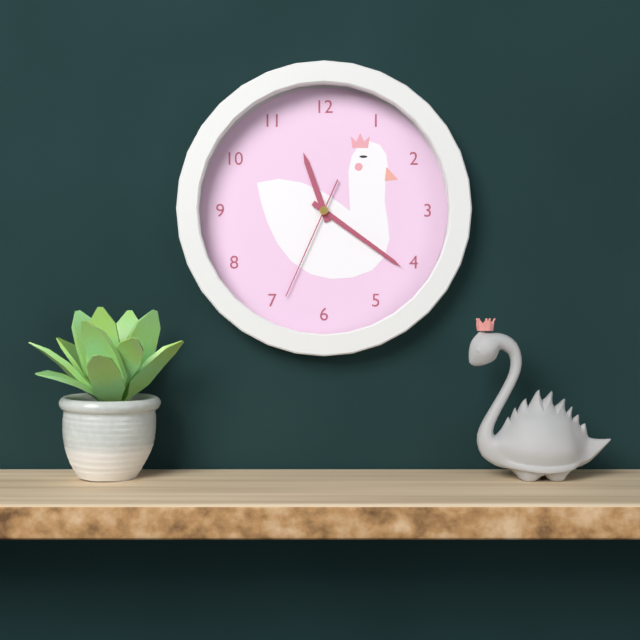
h=11 m=21 s=34
